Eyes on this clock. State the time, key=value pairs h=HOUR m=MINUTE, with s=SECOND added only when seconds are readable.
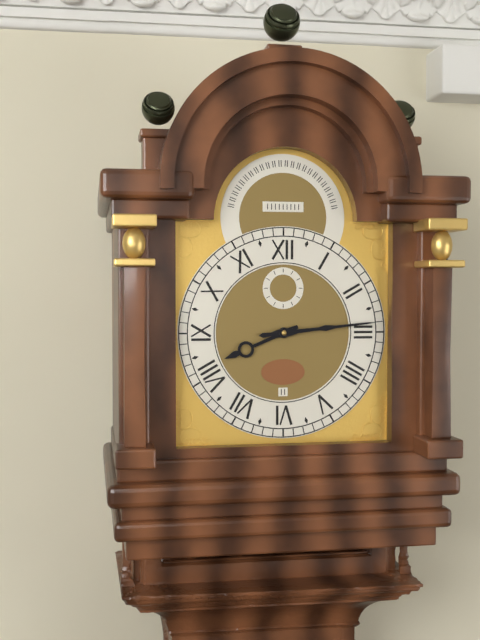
h=8 m=14
